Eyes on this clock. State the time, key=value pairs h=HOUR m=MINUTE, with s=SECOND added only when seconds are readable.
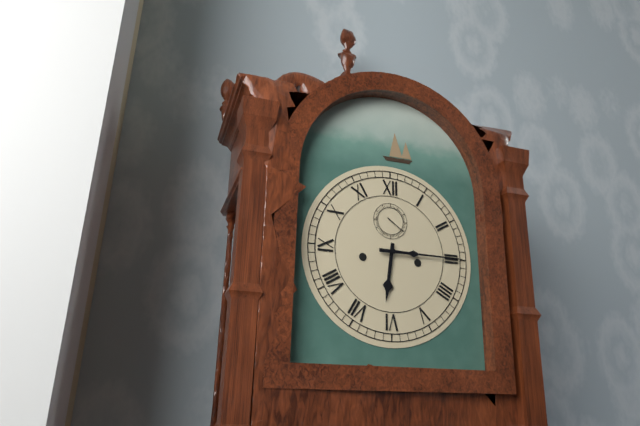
h=6 m=15
